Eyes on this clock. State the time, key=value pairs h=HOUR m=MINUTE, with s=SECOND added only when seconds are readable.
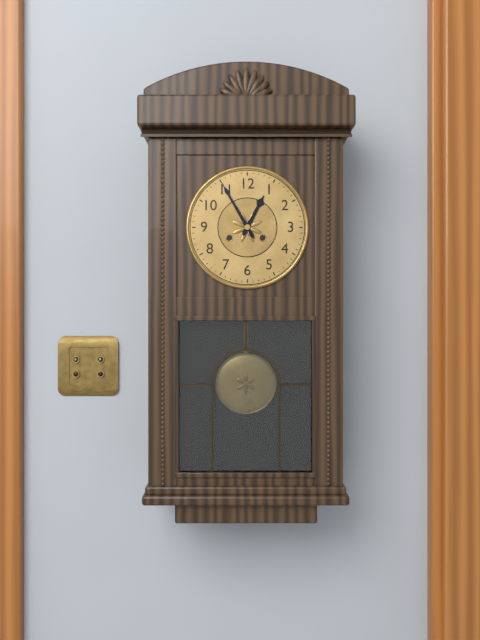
h=12 m=55
